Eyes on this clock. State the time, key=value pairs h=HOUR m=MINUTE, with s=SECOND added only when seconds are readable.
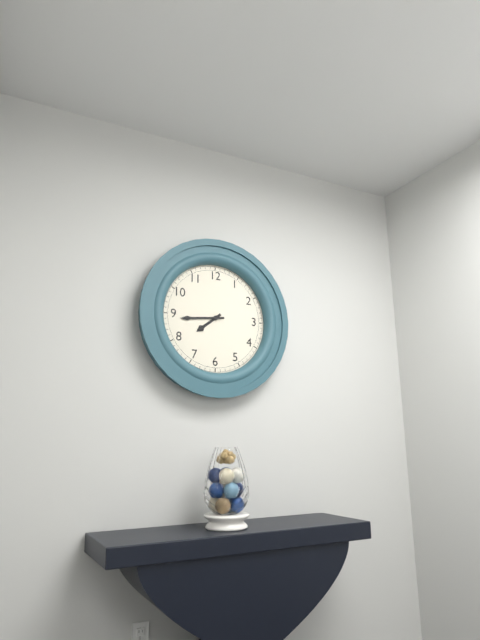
h=7 m=44
